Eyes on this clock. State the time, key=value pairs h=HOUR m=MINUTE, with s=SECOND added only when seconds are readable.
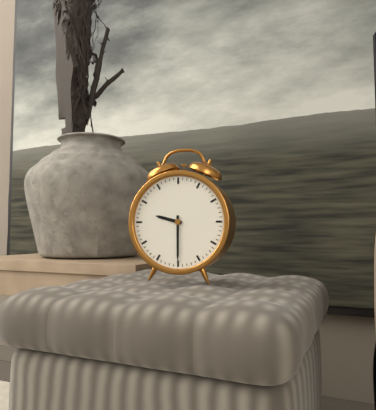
h=9 m=30
